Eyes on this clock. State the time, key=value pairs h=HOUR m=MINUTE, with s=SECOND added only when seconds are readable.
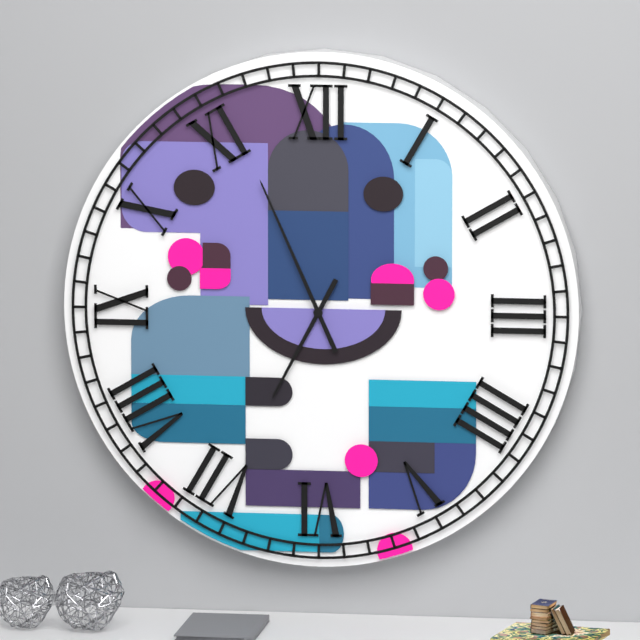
h=6 m=56
